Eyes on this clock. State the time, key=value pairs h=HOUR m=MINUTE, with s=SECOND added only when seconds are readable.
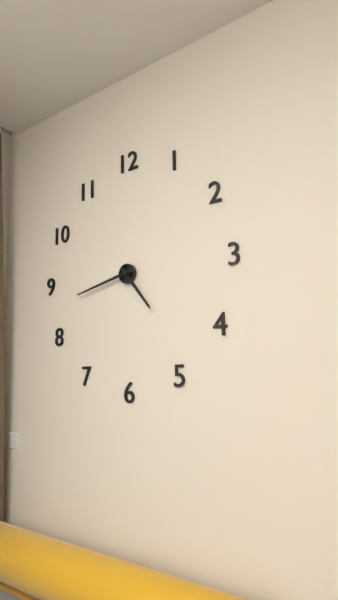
h=4 m=43
